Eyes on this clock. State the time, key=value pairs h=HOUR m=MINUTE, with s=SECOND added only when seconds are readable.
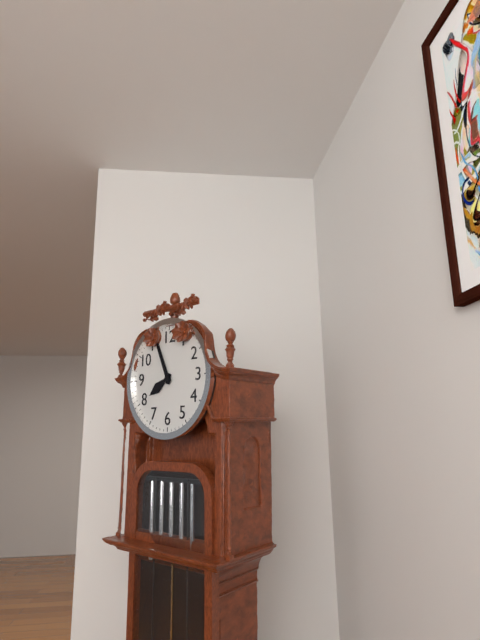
h=7 m=56
